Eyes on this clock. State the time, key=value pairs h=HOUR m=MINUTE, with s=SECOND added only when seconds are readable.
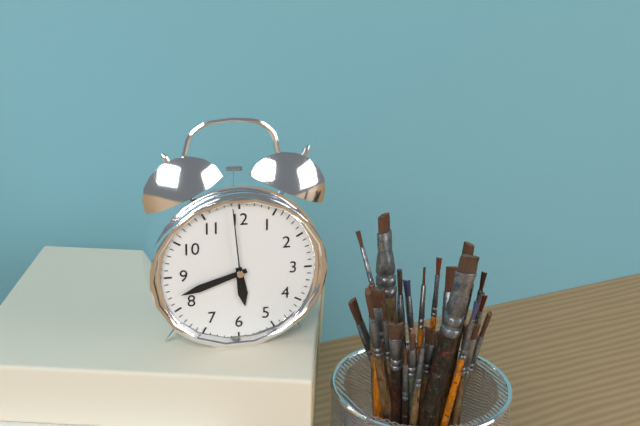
h=5 m=42 s=59
